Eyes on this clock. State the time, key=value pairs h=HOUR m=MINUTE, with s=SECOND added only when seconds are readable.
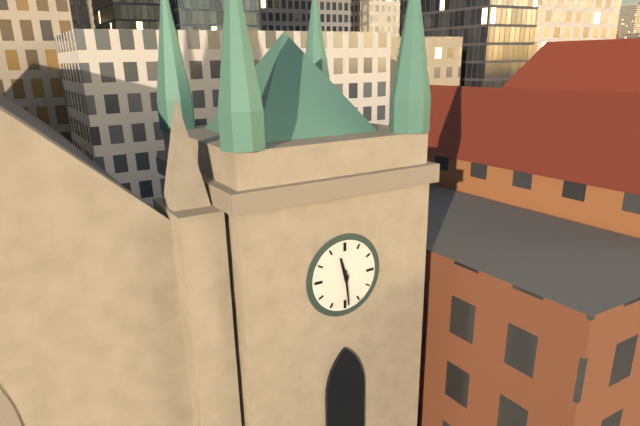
h=11 m=29
